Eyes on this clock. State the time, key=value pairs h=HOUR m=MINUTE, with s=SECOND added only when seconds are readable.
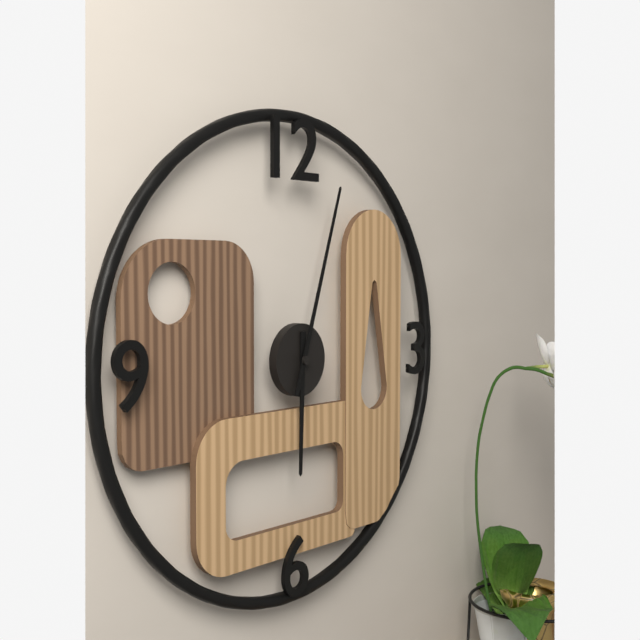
h=6 m=3
